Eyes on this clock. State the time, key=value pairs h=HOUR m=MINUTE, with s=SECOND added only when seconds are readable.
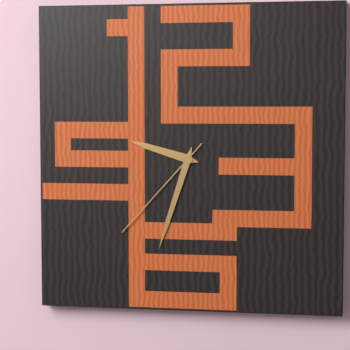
h=9 m=33 s=37
